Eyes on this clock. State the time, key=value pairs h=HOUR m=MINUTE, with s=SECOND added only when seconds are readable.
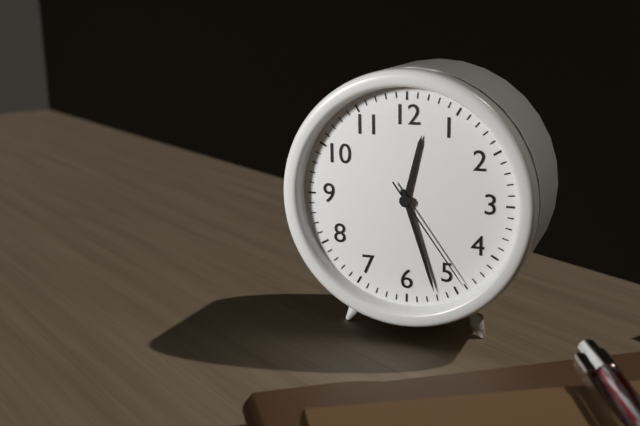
h=12 m=27 s=24
